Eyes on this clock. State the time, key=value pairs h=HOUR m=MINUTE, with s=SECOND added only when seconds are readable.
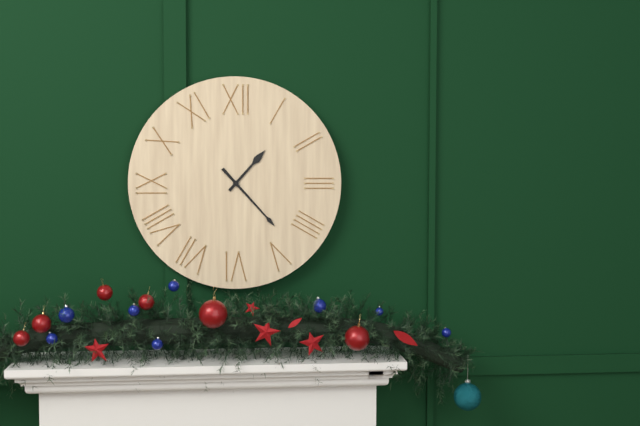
h=1 m=23
